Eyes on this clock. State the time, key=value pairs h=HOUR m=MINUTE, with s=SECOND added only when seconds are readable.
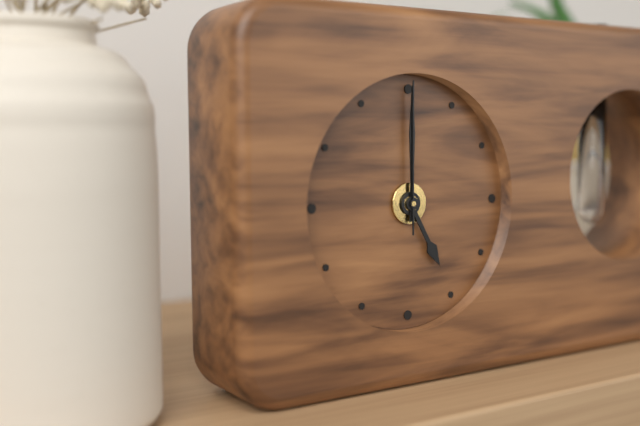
h=5 m=0 s=0
